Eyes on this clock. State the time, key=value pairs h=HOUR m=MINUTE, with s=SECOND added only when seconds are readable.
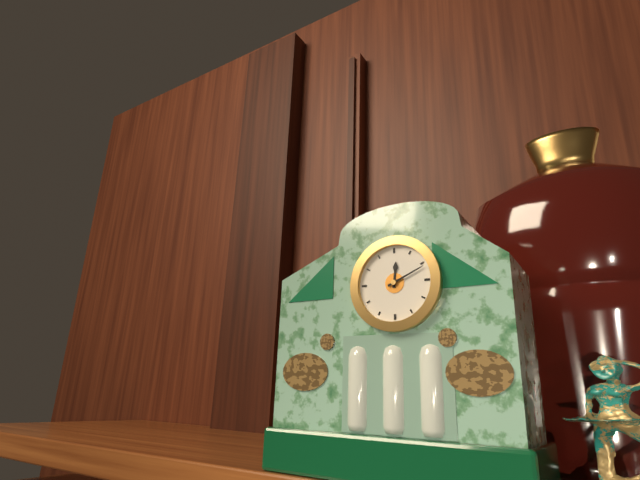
h=12 m=11
